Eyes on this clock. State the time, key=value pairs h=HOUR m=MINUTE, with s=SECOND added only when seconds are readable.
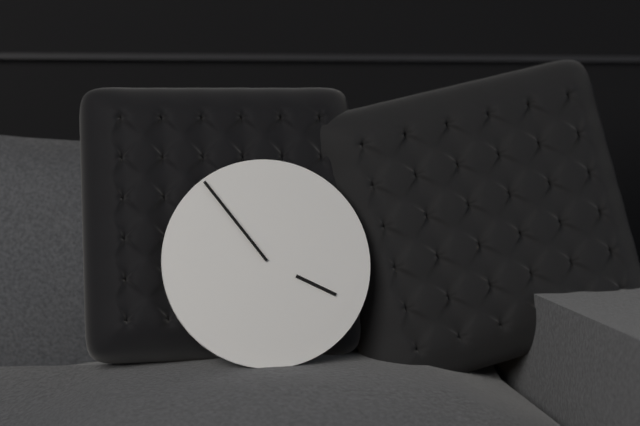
h=3 m=54
